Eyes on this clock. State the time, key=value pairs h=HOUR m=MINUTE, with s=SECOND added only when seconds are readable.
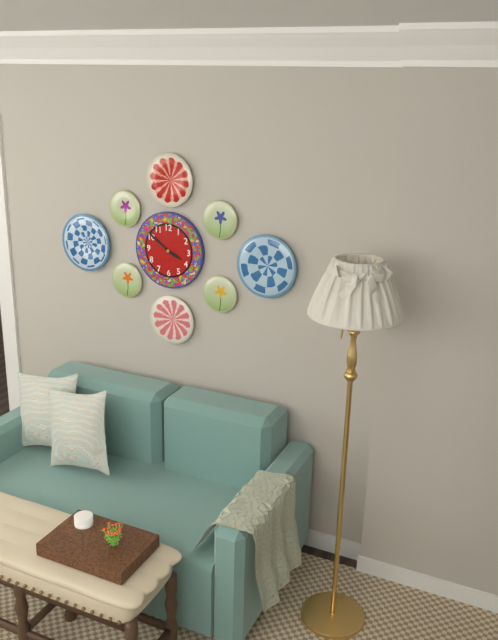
h=3 m=51
